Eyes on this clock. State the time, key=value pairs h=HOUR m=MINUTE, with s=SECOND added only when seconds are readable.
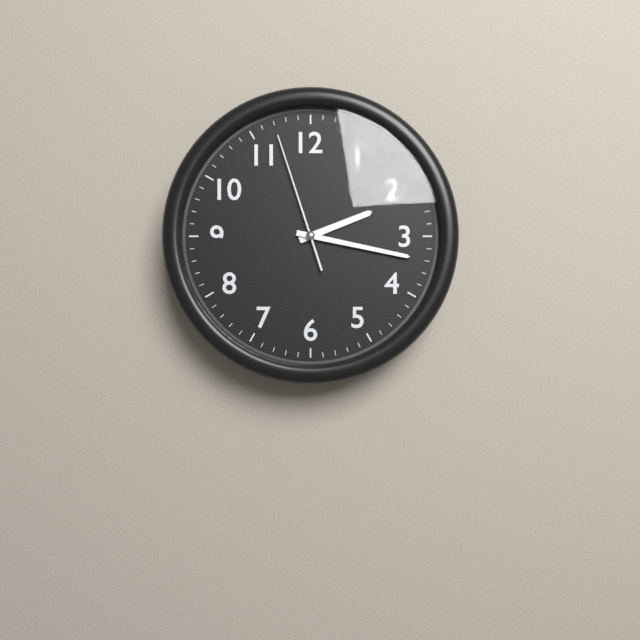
h=2 m=17 s=57
